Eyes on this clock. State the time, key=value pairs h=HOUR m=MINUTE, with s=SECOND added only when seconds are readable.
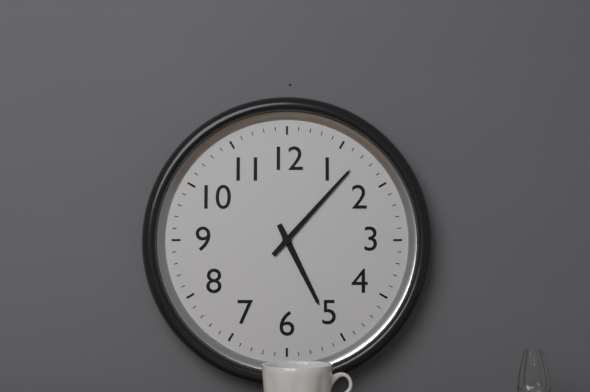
h=5 m=7
